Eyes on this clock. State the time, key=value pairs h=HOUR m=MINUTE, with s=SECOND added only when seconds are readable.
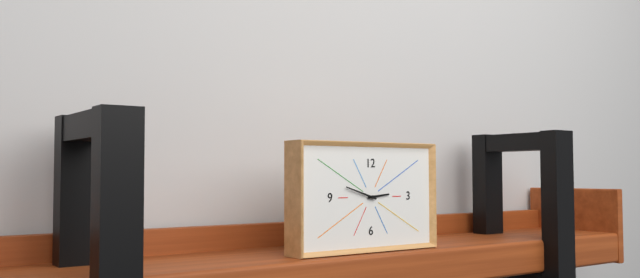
h=2 m=48
